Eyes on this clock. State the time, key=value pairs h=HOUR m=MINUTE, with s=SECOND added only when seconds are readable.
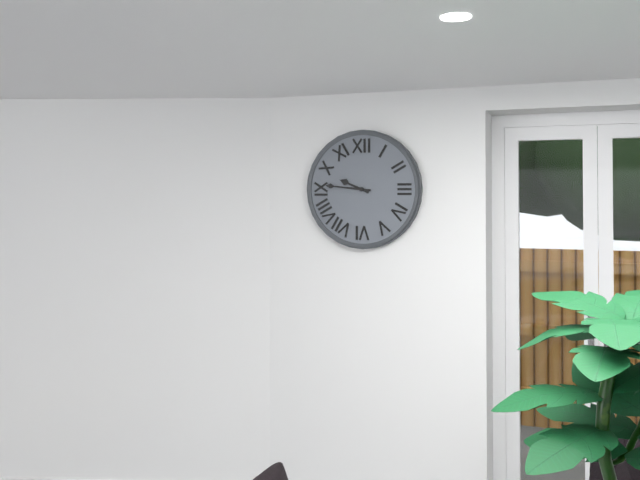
h=9 m=46
